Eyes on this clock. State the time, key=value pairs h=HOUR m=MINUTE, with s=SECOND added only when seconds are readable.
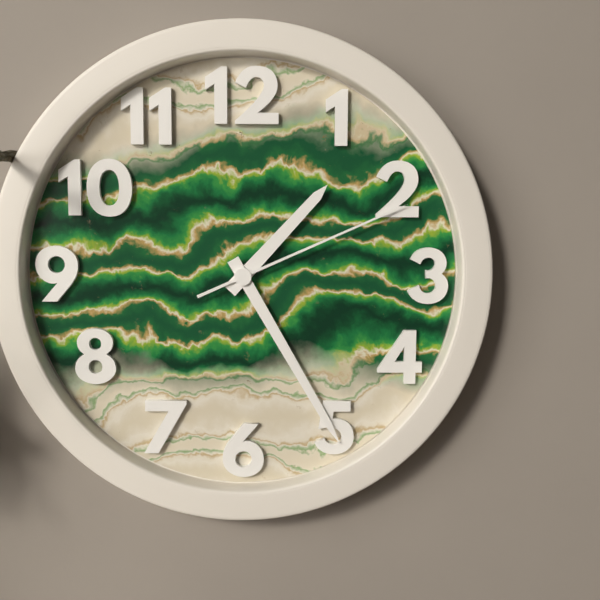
h=1 m=25 s=11
